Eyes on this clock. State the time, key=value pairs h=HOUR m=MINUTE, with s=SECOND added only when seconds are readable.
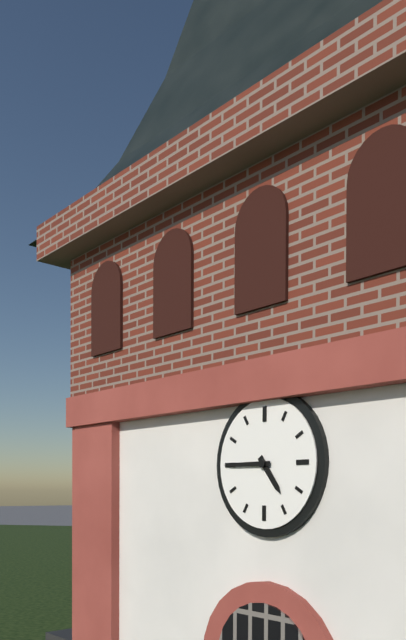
h=4 m=45
